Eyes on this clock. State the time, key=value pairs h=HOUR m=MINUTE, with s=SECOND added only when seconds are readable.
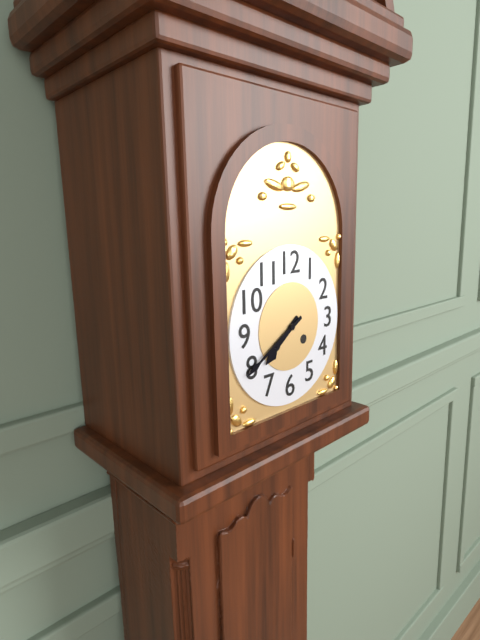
h=7 m=40
